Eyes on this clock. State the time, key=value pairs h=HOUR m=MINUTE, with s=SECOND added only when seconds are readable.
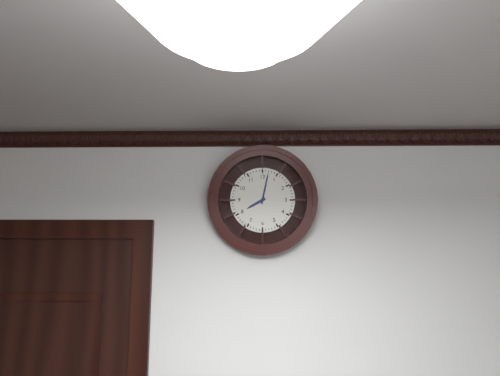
h=8 m=2
